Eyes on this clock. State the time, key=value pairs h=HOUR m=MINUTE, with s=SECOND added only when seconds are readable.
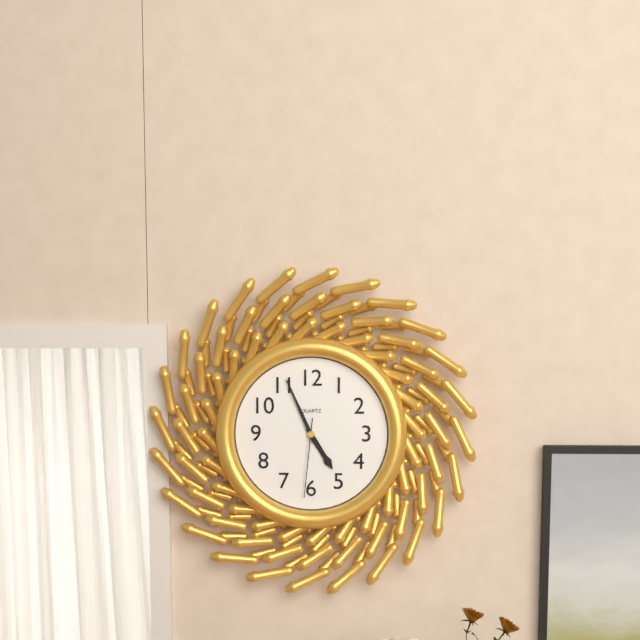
h=4 m=56 s=31
